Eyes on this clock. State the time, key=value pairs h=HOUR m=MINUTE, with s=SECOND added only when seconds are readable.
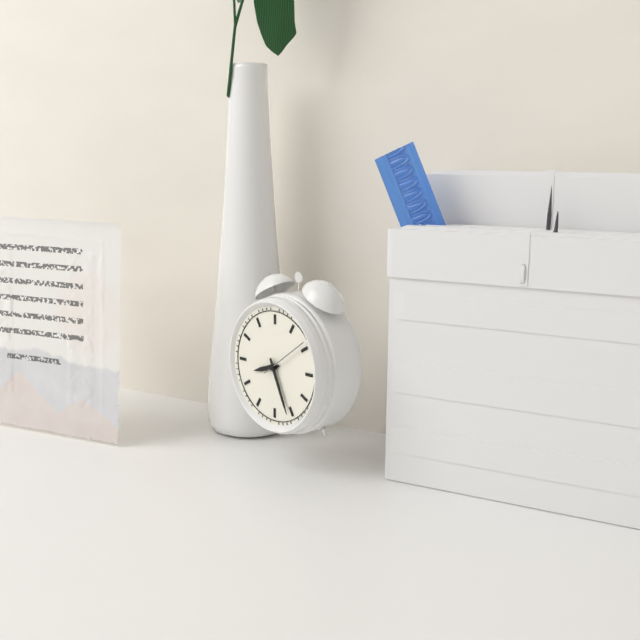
h=8 m=26
